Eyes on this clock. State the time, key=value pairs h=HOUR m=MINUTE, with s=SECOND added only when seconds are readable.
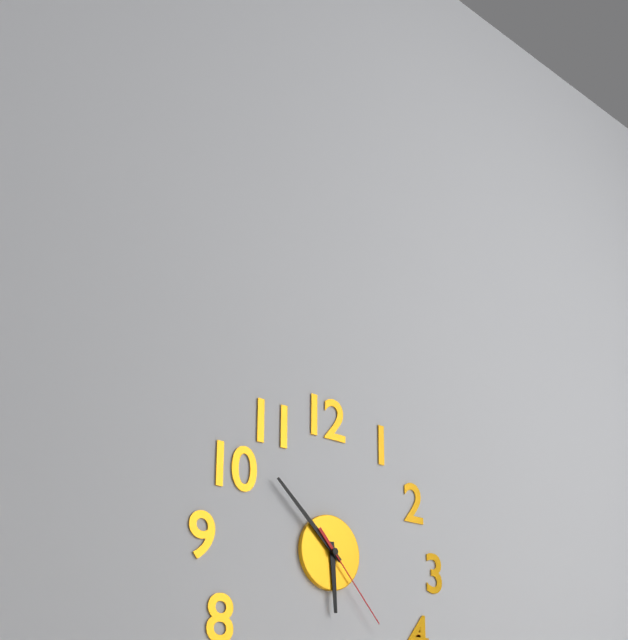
h=5 m=52 s=23
